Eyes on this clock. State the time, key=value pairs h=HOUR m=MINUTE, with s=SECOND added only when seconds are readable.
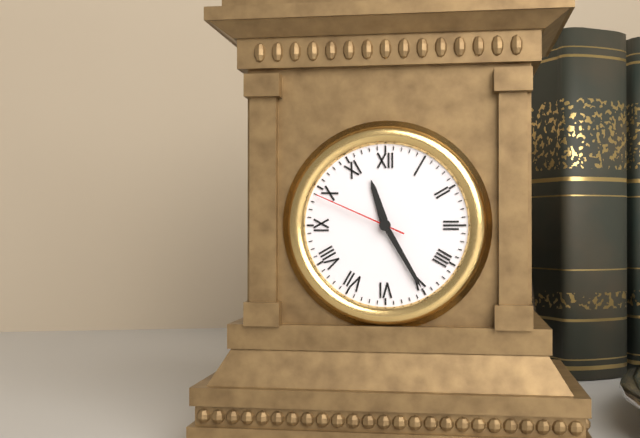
h=11 m=25 s=49
